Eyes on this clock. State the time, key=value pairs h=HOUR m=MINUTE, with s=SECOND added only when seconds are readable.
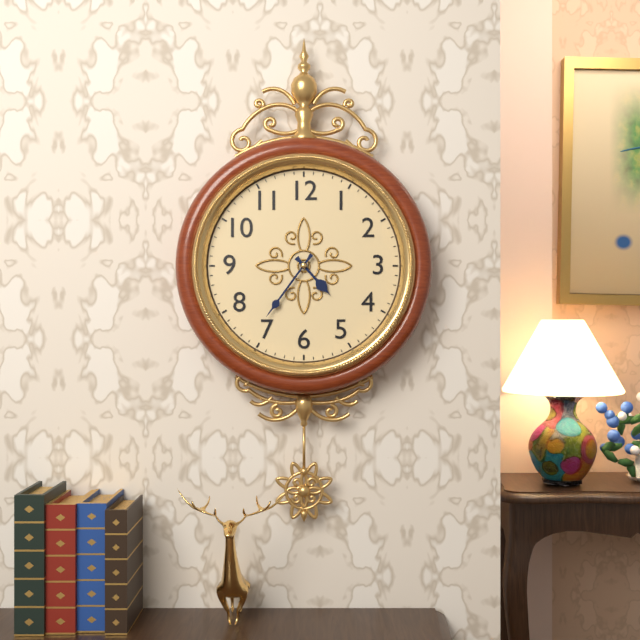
h=4 m=36
